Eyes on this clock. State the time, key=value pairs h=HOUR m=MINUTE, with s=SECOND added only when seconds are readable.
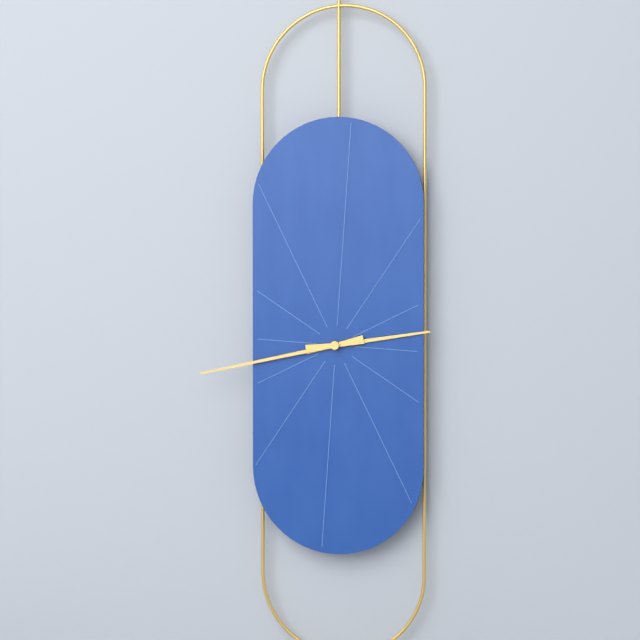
h=2 m=43
